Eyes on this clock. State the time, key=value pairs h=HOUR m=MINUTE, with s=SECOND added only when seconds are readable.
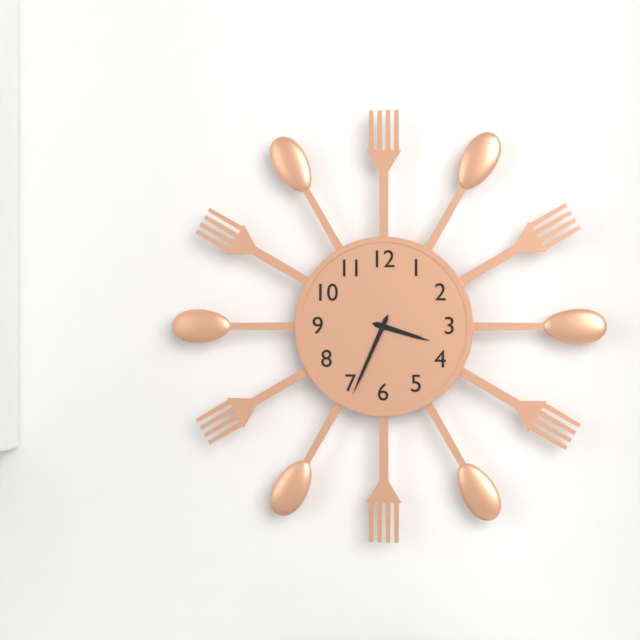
h=3 m=34
